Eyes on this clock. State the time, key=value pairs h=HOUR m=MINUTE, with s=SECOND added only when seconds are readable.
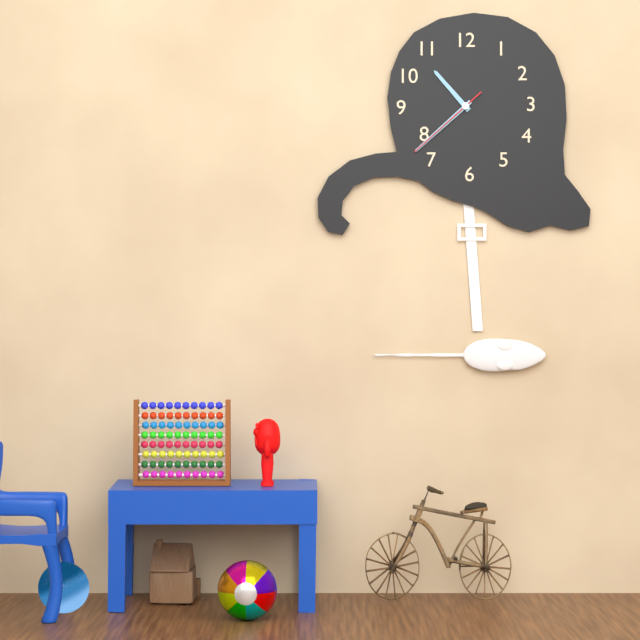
h=10 m=38 s=38
